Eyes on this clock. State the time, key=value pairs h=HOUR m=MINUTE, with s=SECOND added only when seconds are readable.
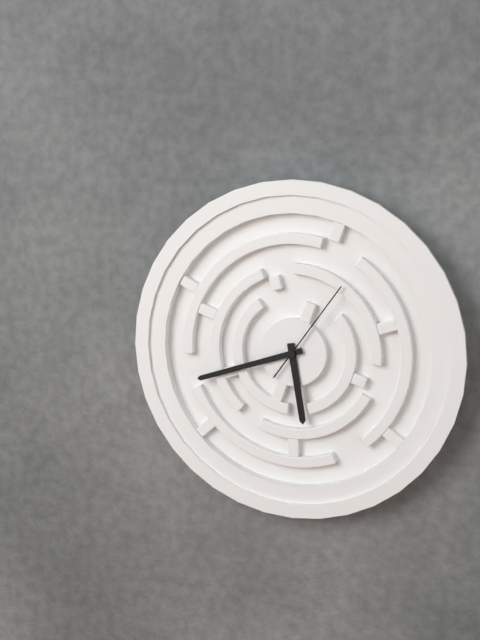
h=5 m=42 s=6
